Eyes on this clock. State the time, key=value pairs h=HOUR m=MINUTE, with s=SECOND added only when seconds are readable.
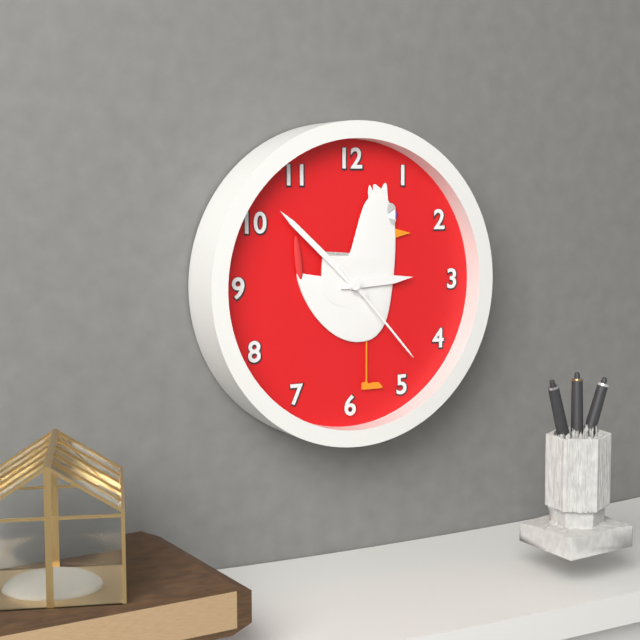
h=2 m=52 s=23
